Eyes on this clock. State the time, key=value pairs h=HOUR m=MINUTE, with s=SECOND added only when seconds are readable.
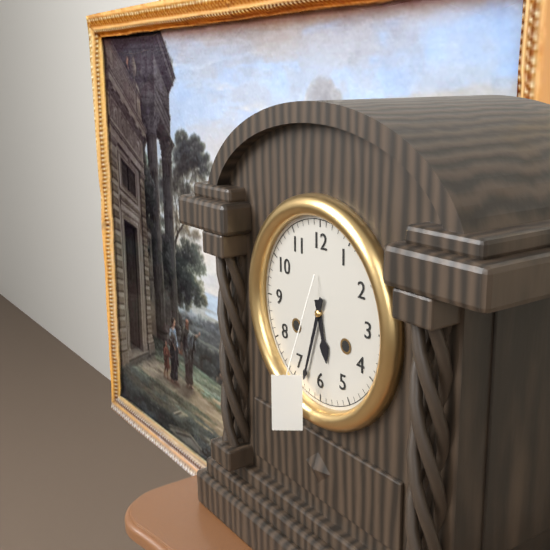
h=5 m=33
